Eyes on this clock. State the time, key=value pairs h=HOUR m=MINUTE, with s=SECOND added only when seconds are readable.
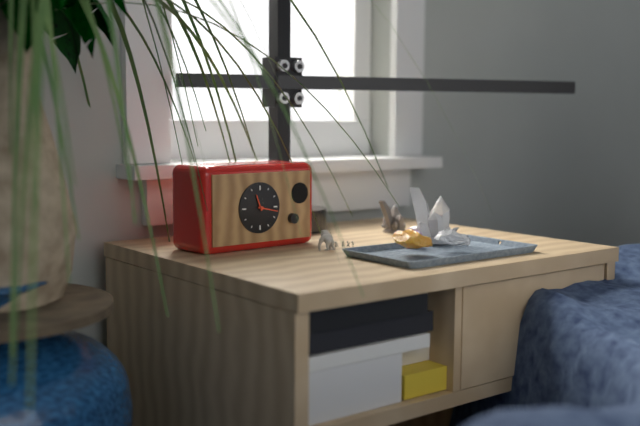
h=11 m=17
